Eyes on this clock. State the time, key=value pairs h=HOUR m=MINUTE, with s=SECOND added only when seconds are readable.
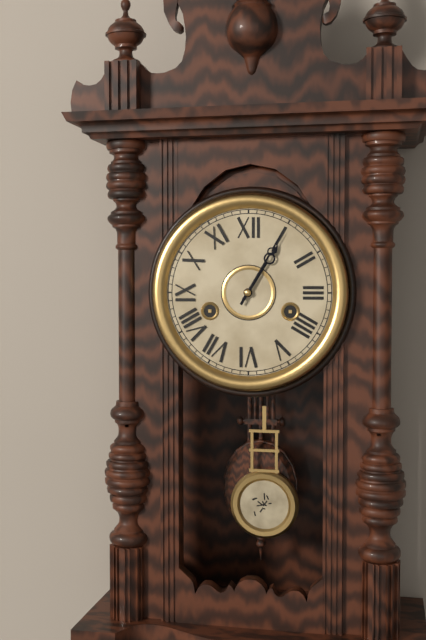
h=1 m=5
